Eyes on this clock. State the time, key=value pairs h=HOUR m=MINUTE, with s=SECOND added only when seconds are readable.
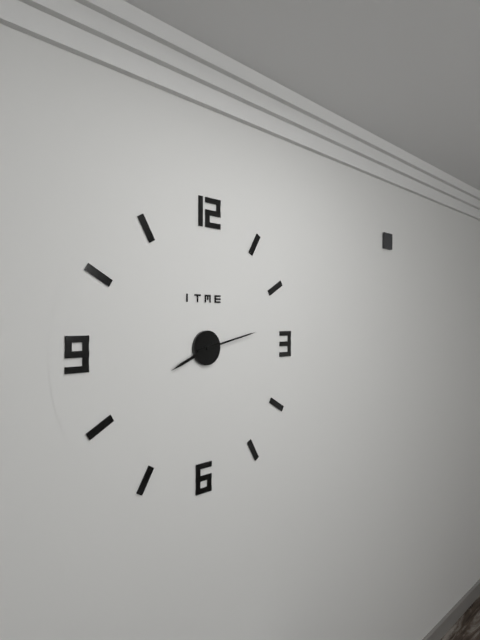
h=8 m=13
